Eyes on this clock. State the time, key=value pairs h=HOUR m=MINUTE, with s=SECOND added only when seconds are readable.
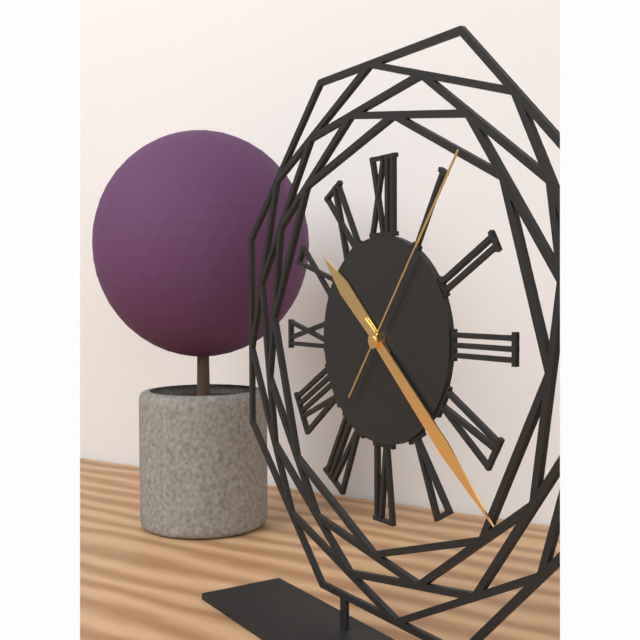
h=10 m=22 s=6
